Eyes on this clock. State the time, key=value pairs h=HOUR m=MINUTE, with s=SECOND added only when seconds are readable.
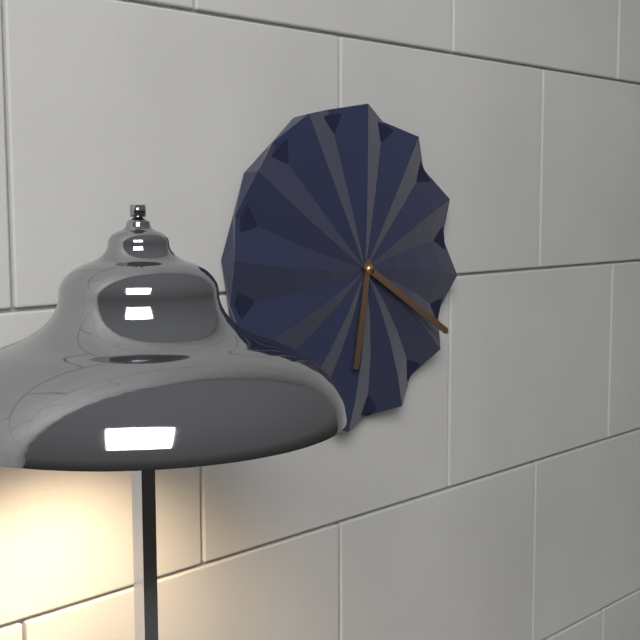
h=6 m=20
